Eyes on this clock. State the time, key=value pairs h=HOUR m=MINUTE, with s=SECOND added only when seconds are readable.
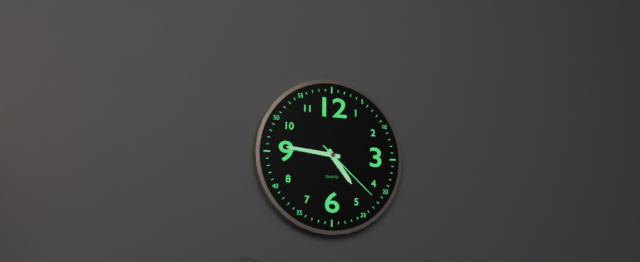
h=4 m=46 s=22
